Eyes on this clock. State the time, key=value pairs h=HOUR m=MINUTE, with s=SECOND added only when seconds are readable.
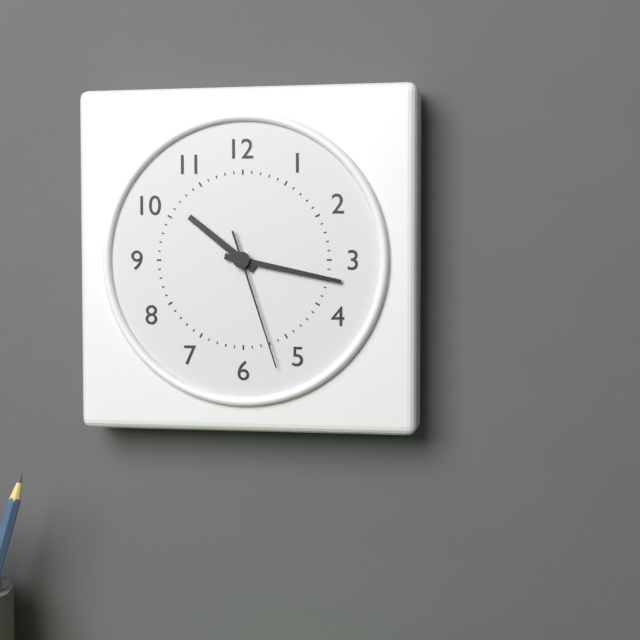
h=10 m=17 s=27
